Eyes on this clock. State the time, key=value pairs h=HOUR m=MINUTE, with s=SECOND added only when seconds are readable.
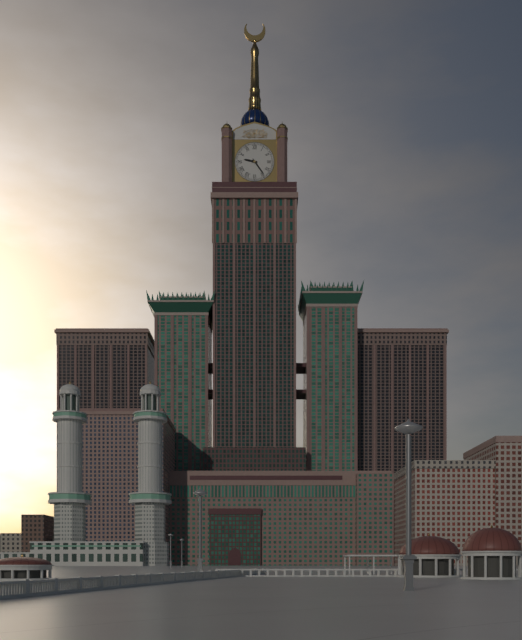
h=9 m=24
